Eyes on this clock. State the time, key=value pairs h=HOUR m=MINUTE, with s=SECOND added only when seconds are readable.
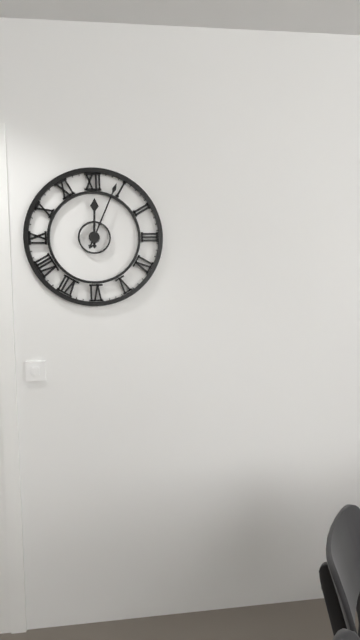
h=12 m=4
